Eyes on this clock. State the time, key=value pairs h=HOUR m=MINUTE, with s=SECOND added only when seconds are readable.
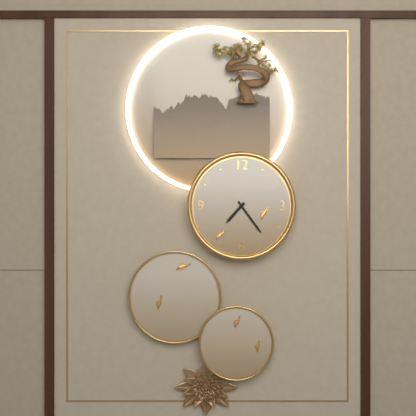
h=7 m=24
